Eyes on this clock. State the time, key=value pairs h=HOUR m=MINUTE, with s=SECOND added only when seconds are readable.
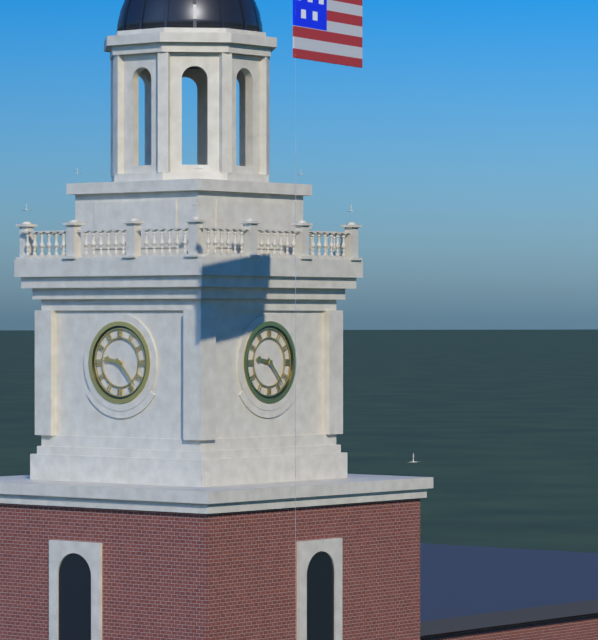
h=9 m=23
